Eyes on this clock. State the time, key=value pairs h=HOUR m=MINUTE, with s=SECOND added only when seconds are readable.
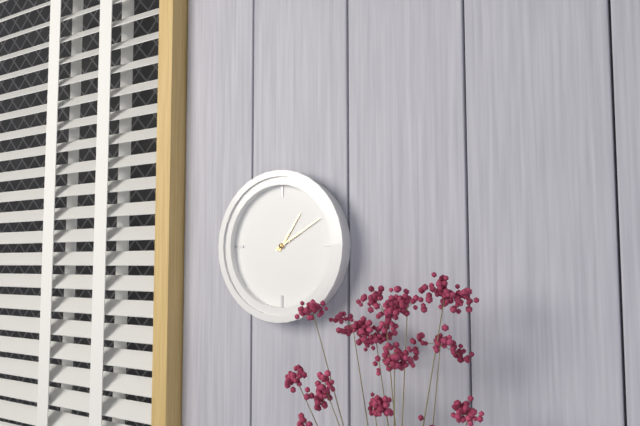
h=1 m=10
